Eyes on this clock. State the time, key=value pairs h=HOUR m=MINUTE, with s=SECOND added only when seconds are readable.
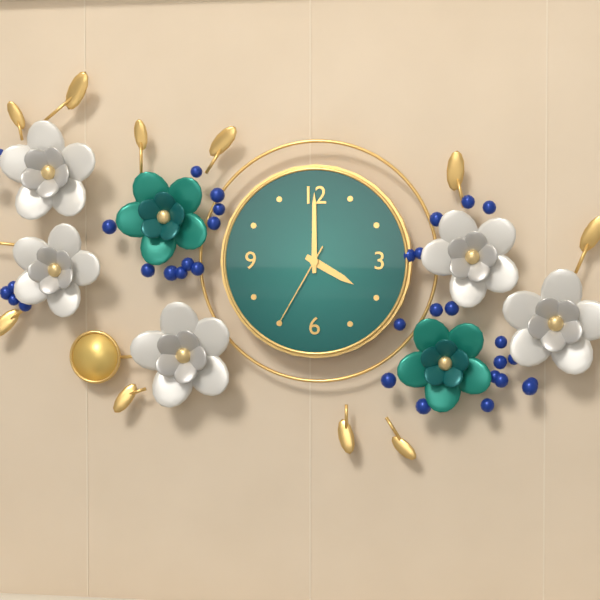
h=4 m=0 s=35
